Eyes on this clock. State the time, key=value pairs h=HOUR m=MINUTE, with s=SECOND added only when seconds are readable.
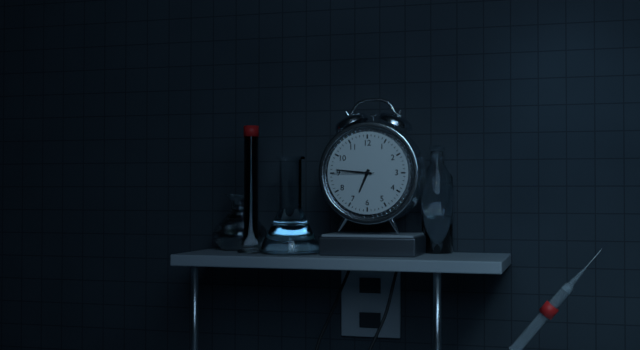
h=6 m=46
